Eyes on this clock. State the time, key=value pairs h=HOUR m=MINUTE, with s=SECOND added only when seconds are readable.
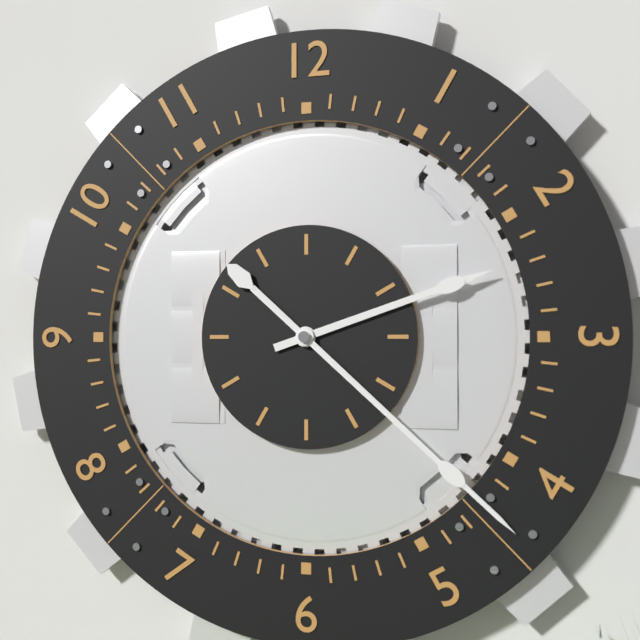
h=2 m=22
